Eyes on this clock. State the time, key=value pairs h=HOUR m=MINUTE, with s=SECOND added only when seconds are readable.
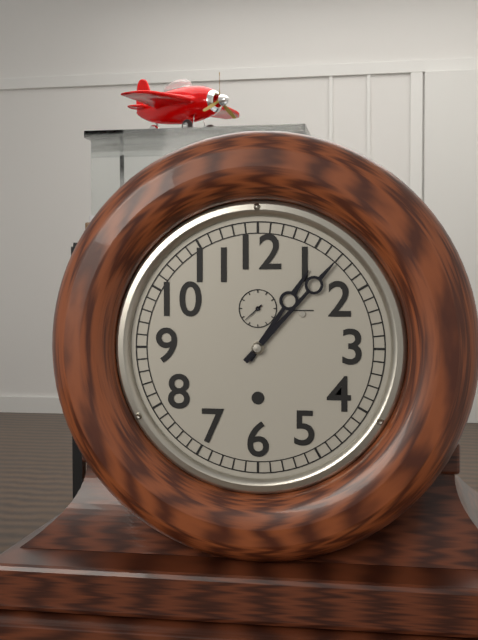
h=1 m=7
